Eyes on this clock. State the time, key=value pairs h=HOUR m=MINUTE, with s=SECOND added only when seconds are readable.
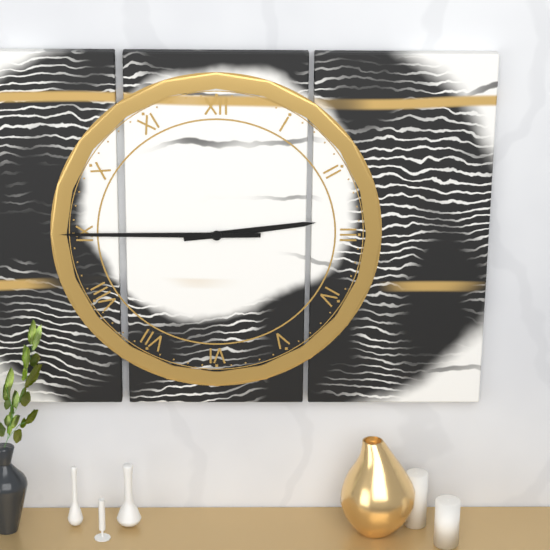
h=2 m=45
